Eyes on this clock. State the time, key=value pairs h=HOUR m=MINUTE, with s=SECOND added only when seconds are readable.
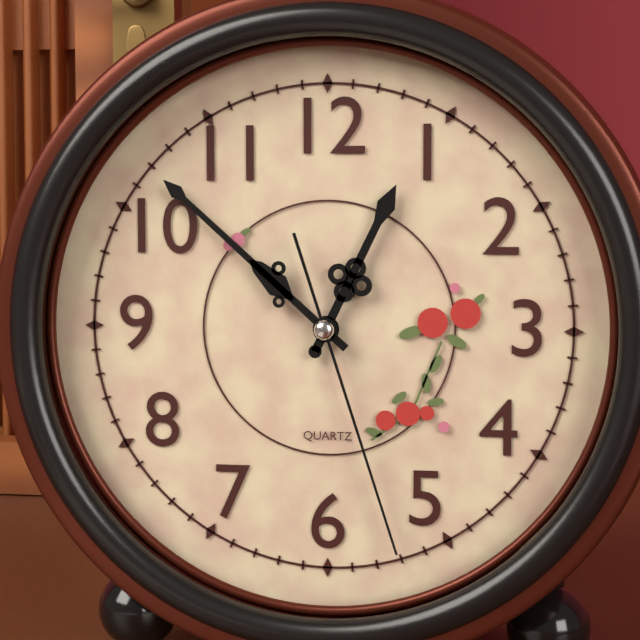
h=12 m=52 s=27
